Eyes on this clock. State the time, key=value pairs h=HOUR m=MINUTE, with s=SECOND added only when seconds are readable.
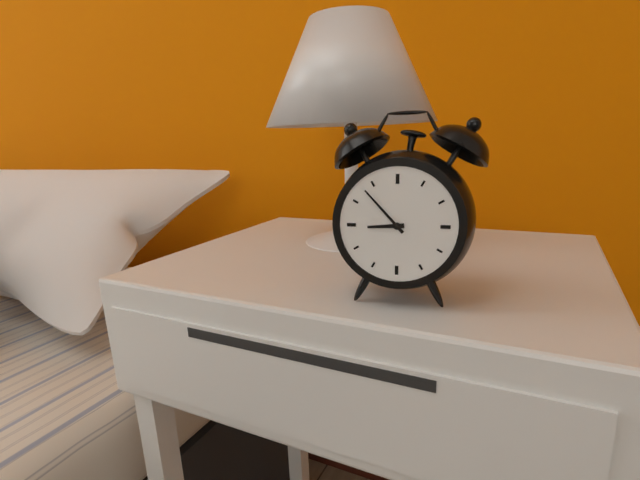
h=8 m=53
